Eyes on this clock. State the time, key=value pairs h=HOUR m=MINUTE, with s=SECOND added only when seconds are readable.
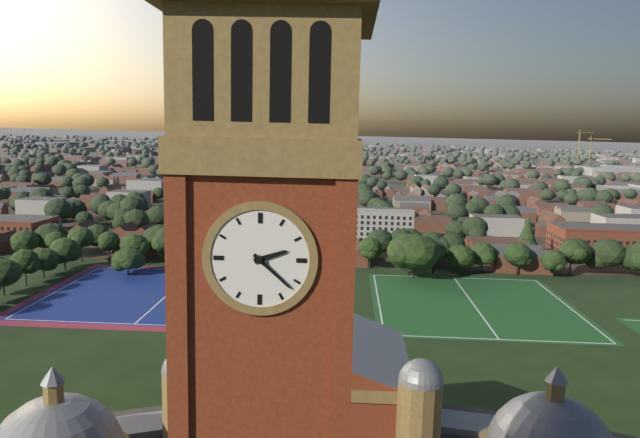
h=2 m=22
